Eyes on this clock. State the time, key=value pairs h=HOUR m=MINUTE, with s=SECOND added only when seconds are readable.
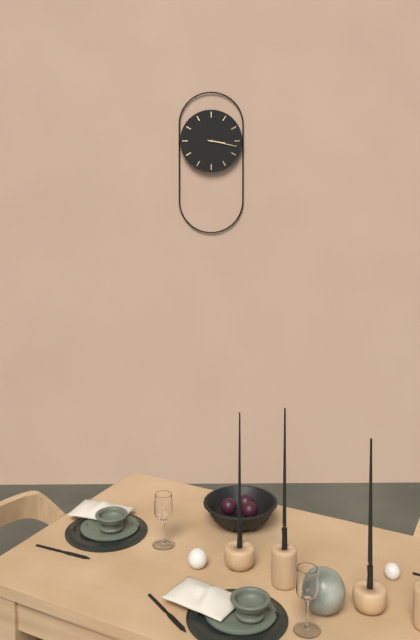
h=3 m=17
